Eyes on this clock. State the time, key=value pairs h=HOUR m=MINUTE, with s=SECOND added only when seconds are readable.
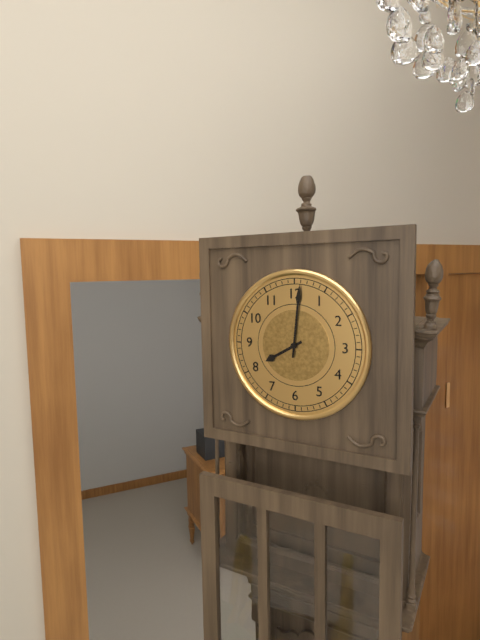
h=8 m=1
